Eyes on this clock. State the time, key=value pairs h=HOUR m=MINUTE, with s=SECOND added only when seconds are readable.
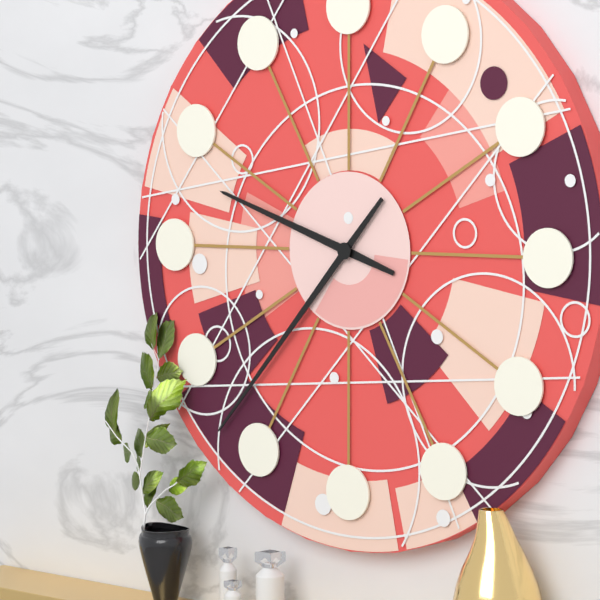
h=9 m=37
